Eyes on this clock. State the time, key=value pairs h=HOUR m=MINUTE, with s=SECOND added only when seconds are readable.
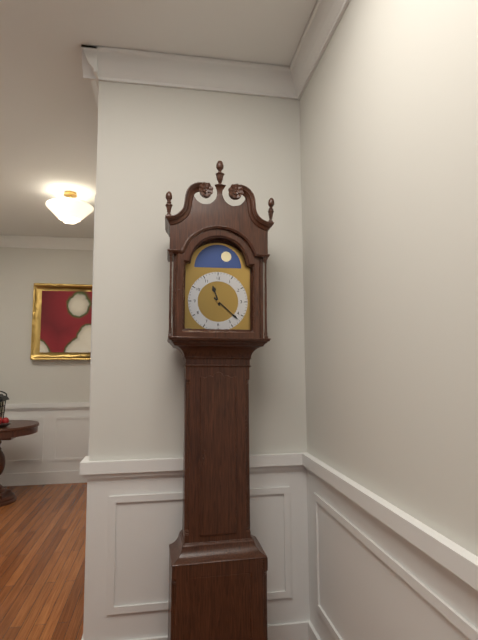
h=11 m=22
